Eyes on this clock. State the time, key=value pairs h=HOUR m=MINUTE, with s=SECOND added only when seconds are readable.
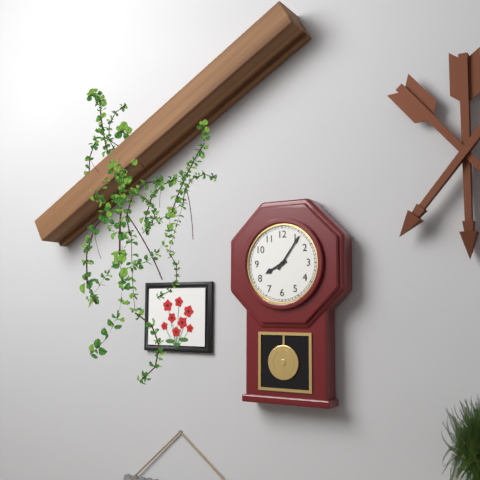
h=8 m=6
